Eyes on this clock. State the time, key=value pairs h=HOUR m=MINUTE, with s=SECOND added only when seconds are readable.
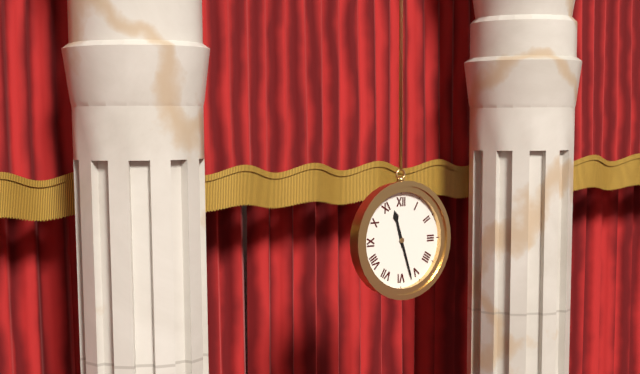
h=11 m=27
